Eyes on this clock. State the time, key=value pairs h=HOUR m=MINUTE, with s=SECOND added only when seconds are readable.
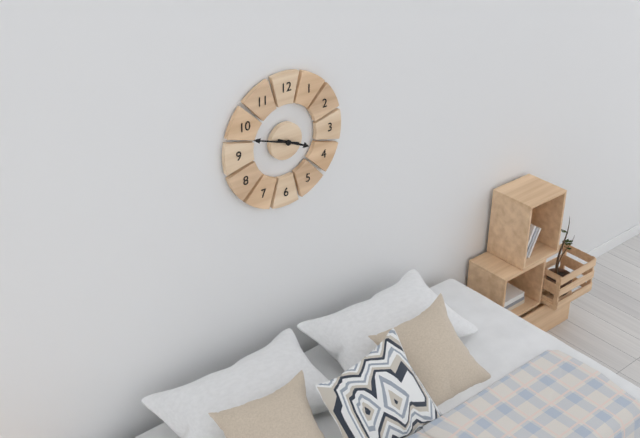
h=3 m=48
